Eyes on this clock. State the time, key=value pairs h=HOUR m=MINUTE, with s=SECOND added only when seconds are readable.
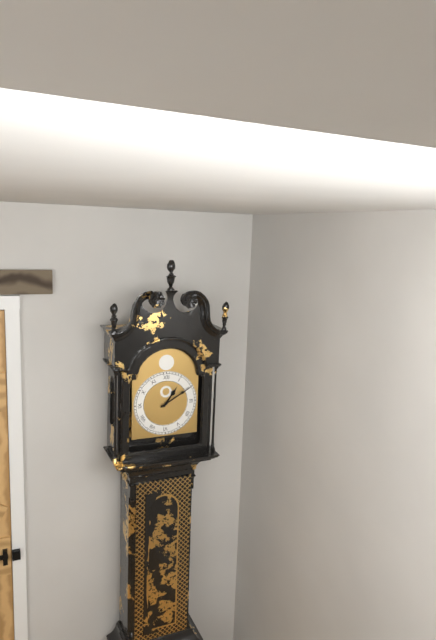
h=1 m=10
